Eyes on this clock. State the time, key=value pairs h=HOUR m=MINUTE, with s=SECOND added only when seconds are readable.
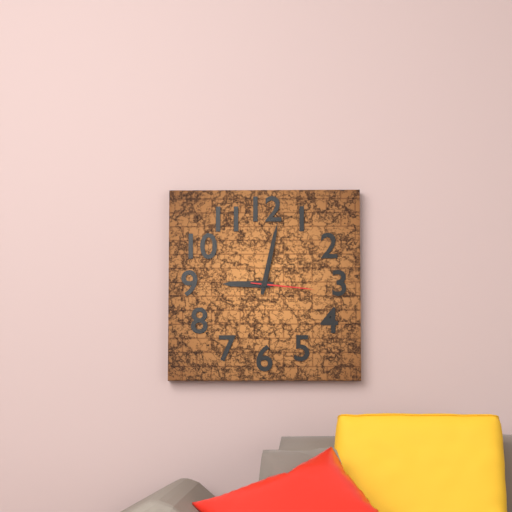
h=9 m=2 s=16
